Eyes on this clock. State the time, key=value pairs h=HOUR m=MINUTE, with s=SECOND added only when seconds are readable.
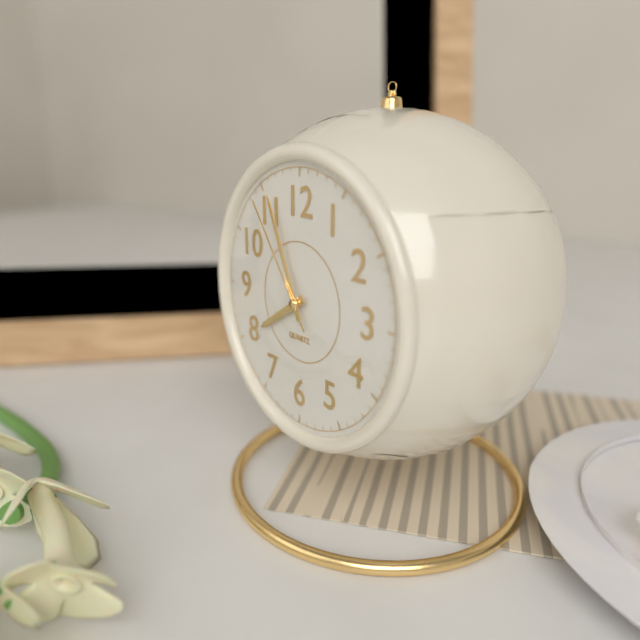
h=7 m=56 s=54
